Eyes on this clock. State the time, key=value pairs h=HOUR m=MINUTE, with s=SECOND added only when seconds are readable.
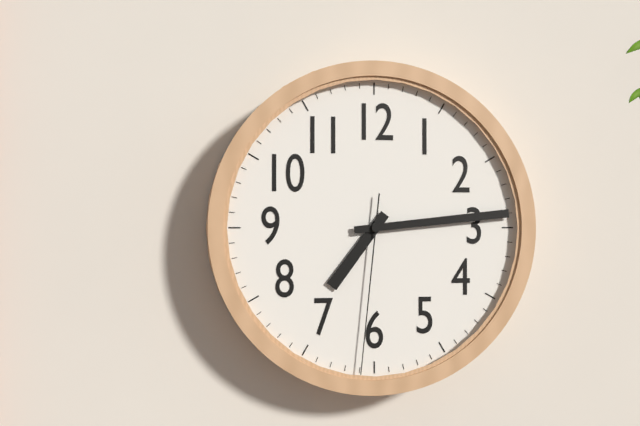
h=7 m=14 s=31
